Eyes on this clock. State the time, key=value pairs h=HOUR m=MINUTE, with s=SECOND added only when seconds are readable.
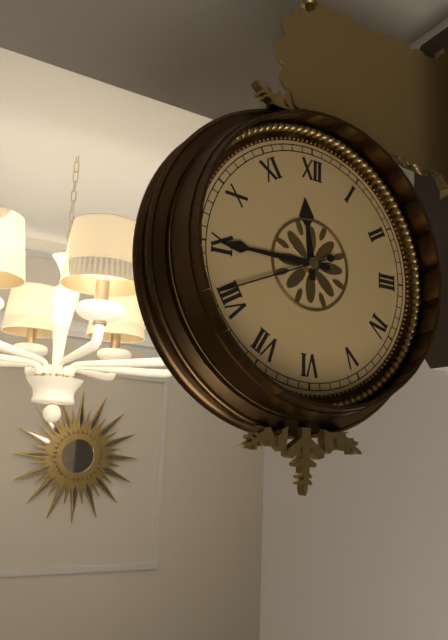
h=11 m=45 s=41
